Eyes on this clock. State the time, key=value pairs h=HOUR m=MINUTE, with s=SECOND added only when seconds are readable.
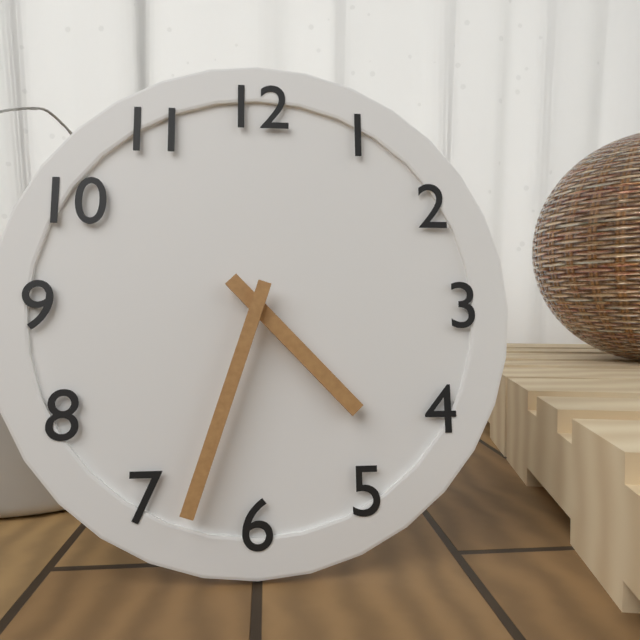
h=4 m=33
